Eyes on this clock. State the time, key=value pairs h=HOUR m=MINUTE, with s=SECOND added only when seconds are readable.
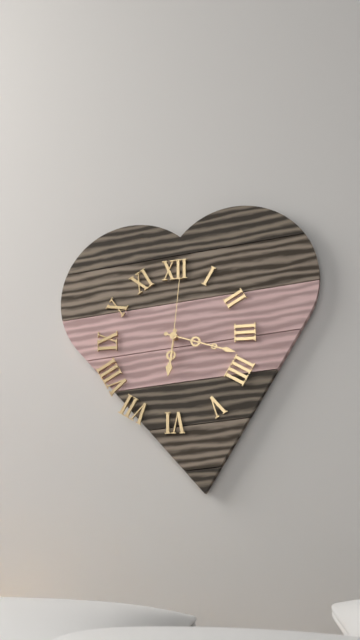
h=6 m=18 s=1
